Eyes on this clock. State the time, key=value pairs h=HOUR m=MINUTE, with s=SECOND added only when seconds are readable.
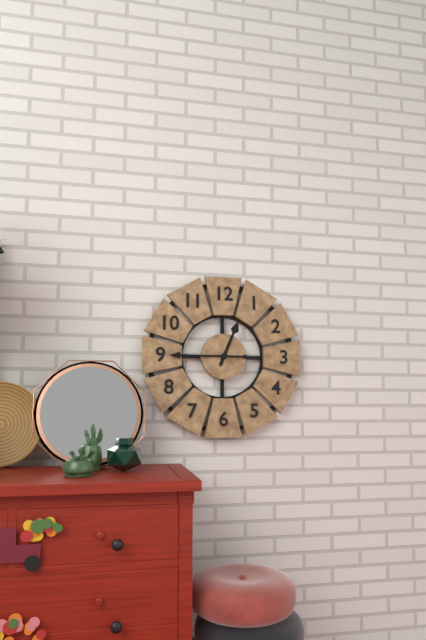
h=12 m=45
